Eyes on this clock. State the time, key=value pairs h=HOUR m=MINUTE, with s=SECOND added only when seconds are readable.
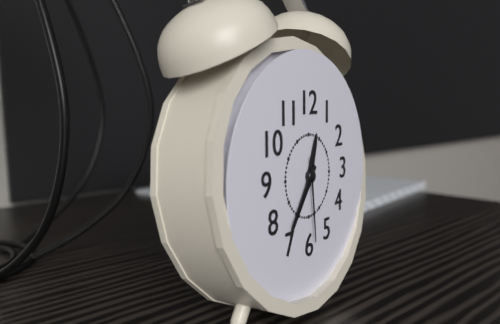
h=12 m=36 s=29
